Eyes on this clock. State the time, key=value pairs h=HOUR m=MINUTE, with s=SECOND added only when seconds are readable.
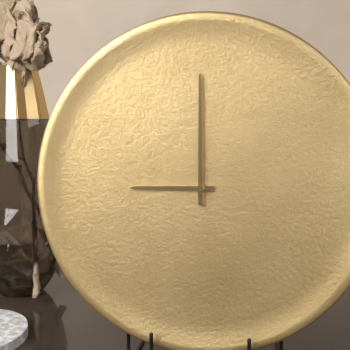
h=9 m=0
